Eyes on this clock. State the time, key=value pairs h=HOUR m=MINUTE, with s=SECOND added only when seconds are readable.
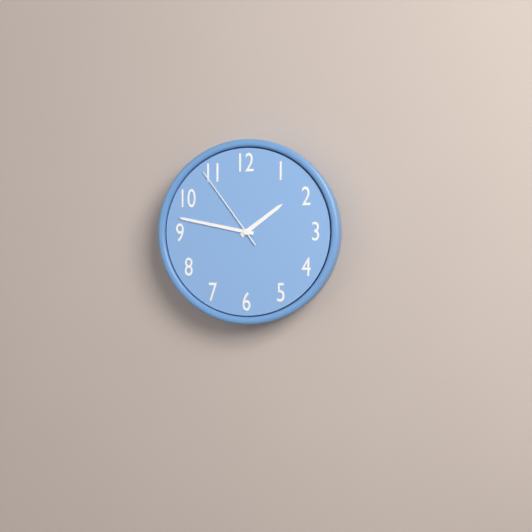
h=1 m=47 s=54
